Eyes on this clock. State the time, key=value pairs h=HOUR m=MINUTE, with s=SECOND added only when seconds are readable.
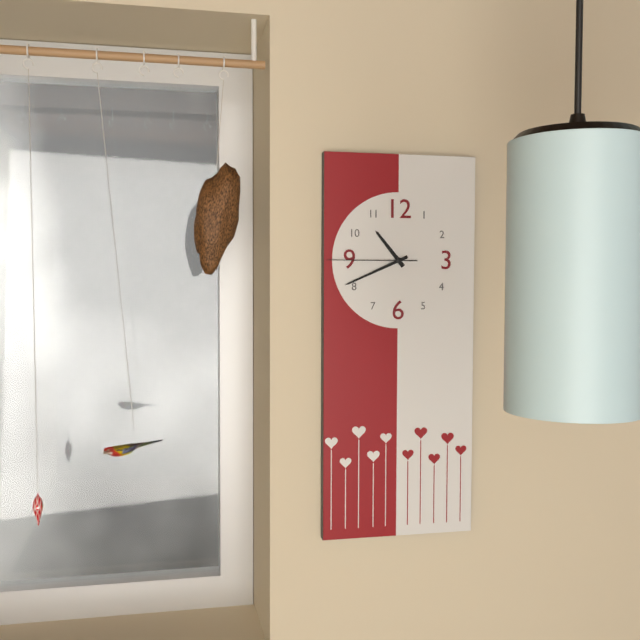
h=10 m=41 s=45
